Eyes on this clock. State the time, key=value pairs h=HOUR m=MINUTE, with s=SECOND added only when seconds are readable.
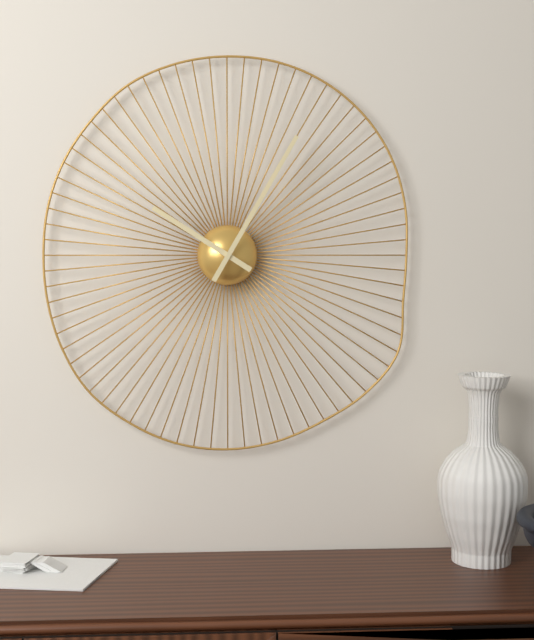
h=10 m=5
